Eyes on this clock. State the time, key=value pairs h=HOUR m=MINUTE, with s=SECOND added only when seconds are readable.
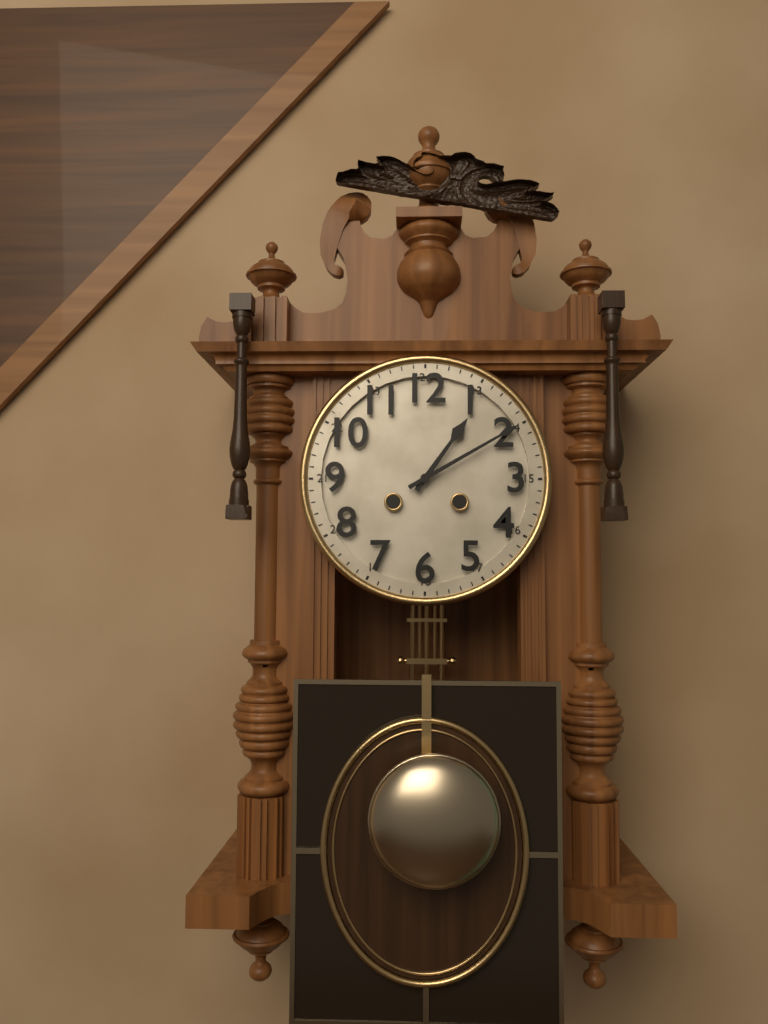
h=1 m=10
